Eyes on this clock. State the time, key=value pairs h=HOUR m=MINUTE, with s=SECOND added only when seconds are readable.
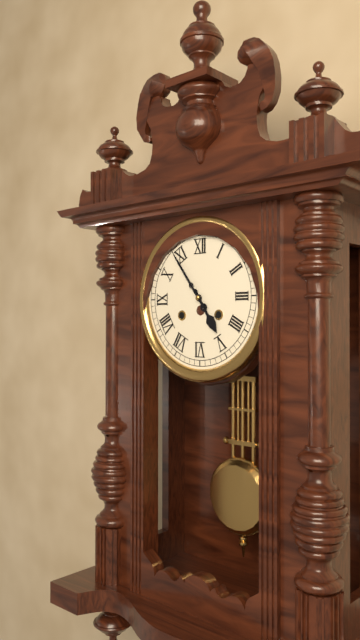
h=4 m=54
